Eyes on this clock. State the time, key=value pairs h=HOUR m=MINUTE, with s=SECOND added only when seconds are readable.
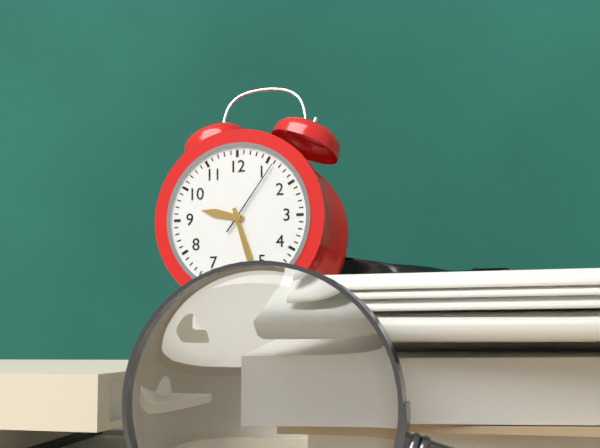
h=9 m=27 s=6
